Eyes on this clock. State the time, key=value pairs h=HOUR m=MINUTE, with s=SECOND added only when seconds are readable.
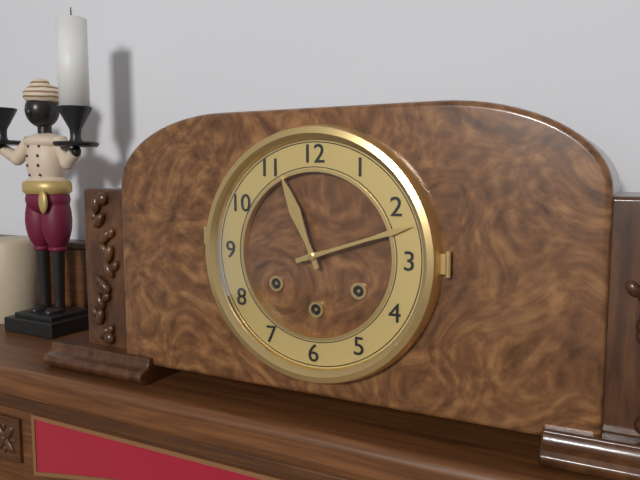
h=11 m=12
